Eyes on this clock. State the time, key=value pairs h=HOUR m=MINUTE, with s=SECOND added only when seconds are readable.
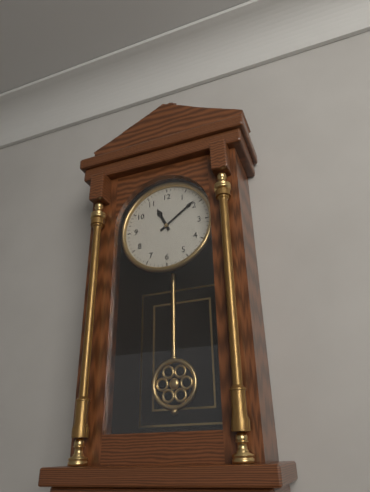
h=11 m=9
